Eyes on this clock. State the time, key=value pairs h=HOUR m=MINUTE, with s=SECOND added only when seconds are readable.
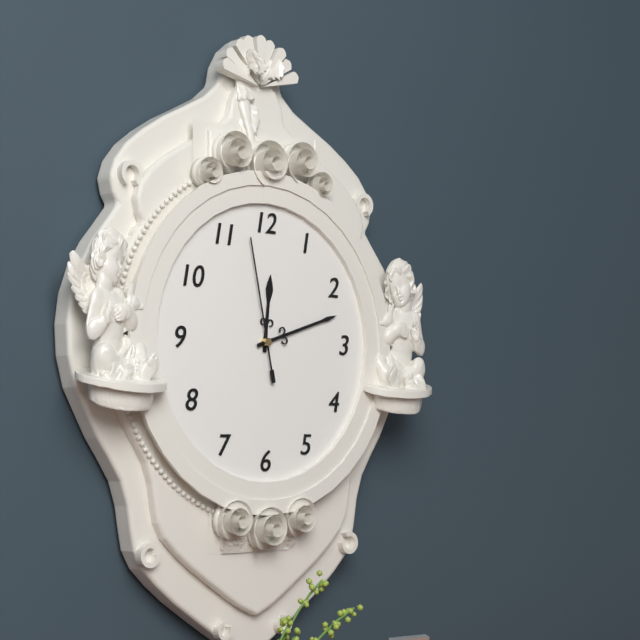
h=12 m=12 s=58
